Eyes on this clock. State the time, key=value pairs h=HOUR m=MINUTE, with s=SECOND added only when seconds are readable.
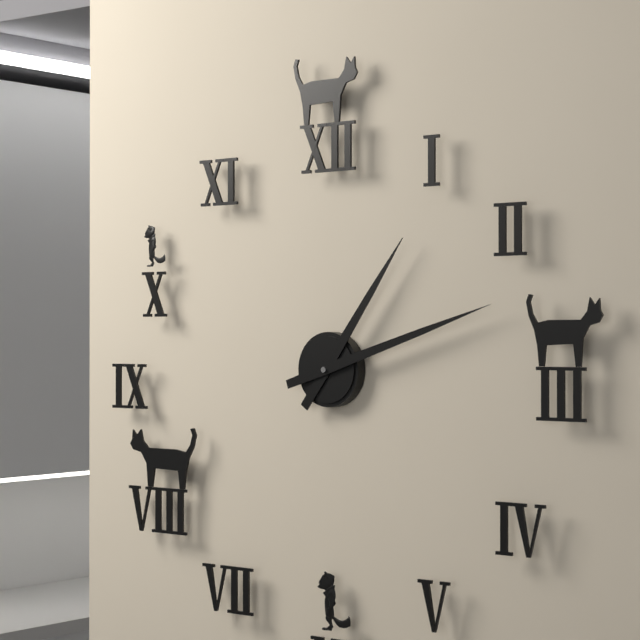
h=1 m=12
